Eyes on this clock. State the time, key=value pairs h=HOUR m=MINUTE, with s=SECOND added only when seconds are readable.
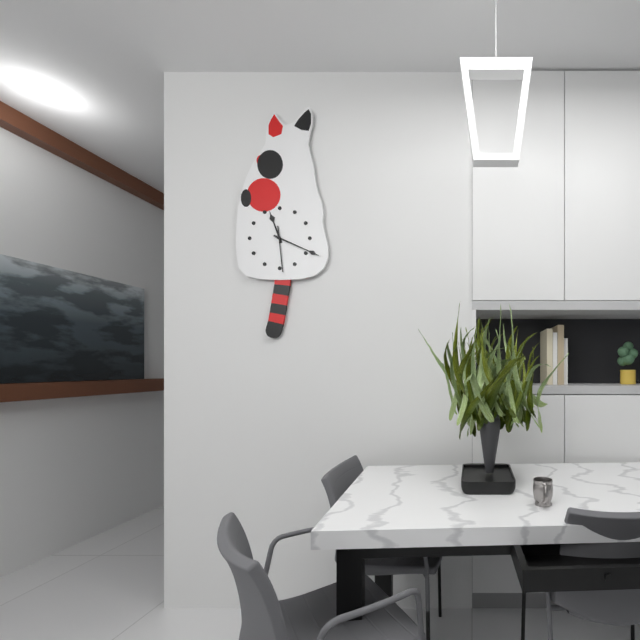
h=11 m=19
